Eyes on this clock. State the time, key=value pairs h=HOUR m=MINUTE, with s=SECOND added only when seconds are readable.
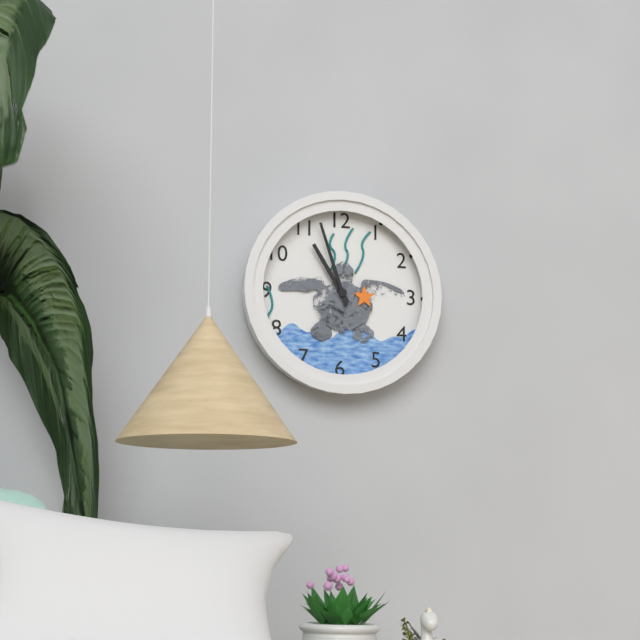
h=10 m=57
